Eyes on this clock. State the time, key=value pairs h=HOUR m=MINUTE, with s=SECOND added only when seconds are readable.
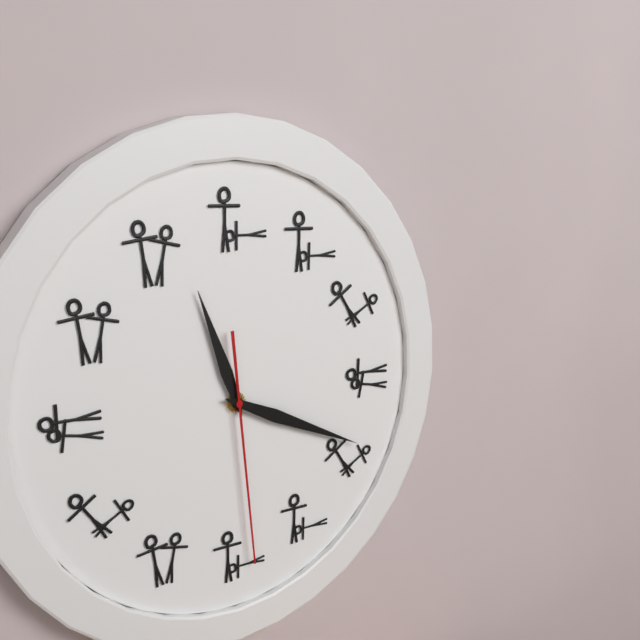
h=11 m=19 s=29
